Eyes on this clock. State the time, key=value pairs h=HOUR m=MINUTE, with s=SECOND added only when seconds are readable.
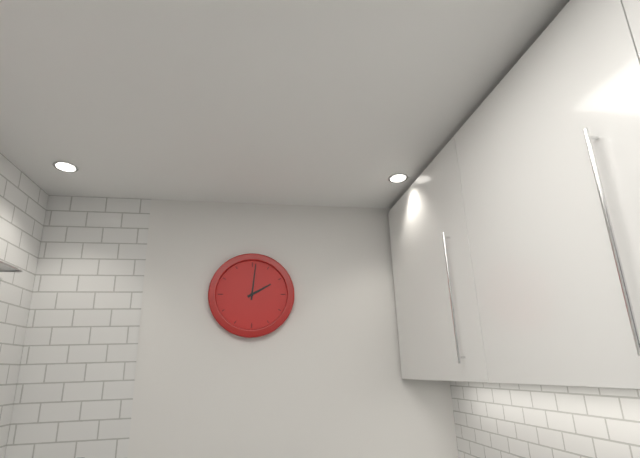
h=2 m=1
